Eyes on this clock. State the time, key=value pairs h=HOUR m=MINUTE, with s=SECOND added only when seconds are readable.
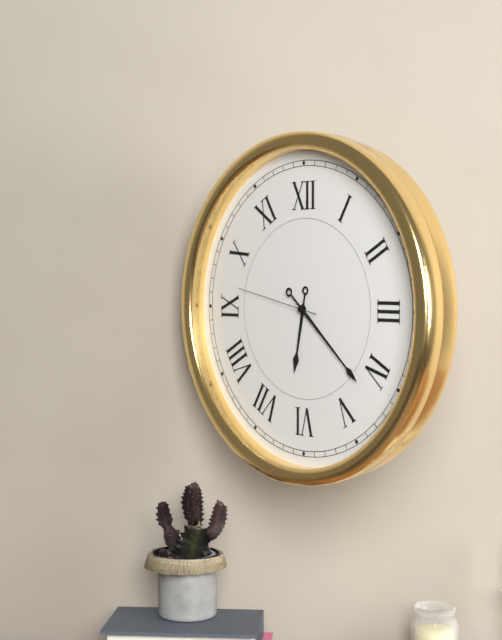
h=6 m=22 s=47
